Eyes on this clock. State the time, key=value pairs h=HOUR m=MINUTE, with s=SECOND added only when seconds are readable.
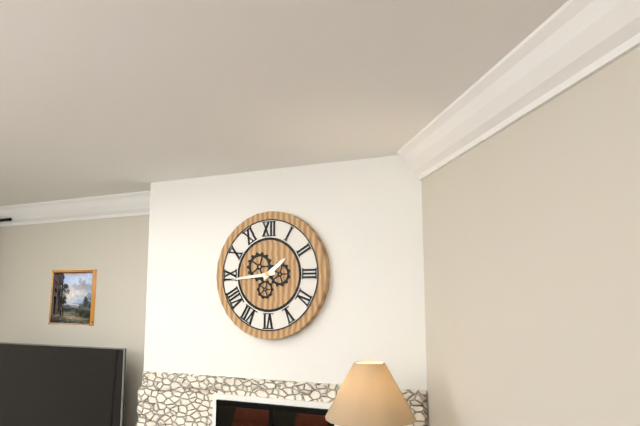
h=1 m=44
